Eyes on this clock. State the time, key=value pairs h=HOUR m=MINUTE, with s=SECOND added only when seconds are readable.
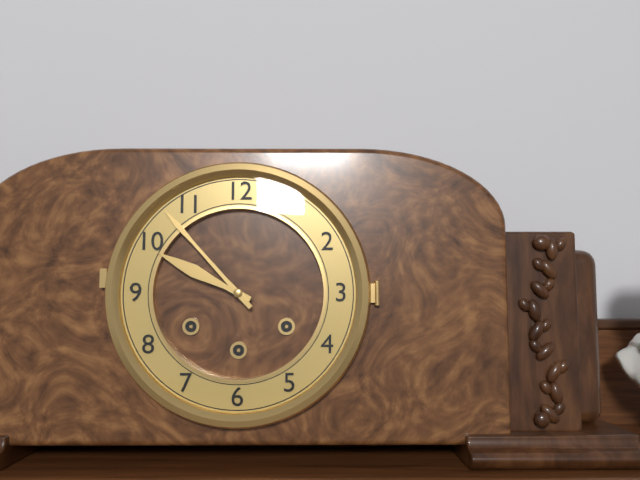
h=9 m=53
